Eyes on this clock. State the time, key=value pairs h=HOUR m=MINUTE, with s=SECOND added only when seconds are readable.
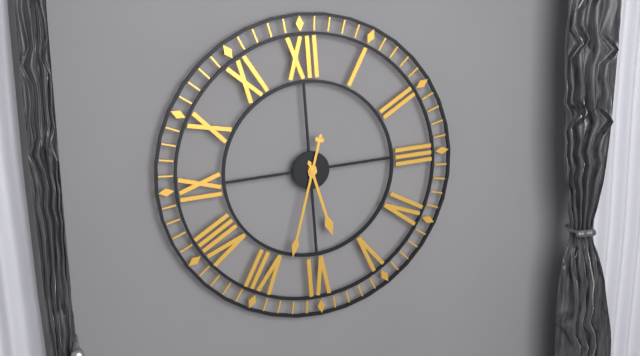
h=5 m=33
